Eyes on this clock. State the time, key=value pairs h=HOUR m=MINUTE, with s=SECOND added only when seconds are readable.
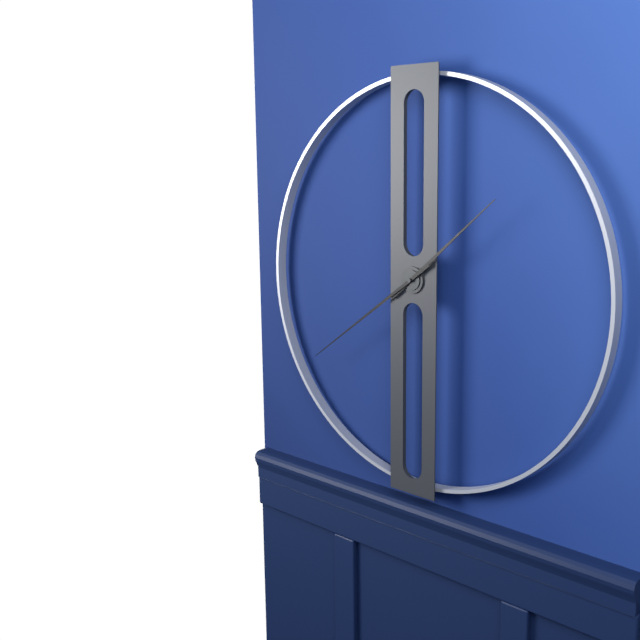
h=1 m=39
